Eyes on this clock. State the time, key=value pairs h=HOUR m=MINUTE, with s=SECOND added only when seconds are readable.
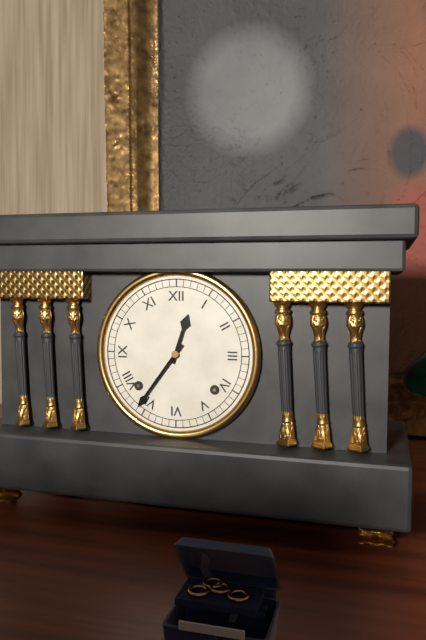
h=12 m=36
